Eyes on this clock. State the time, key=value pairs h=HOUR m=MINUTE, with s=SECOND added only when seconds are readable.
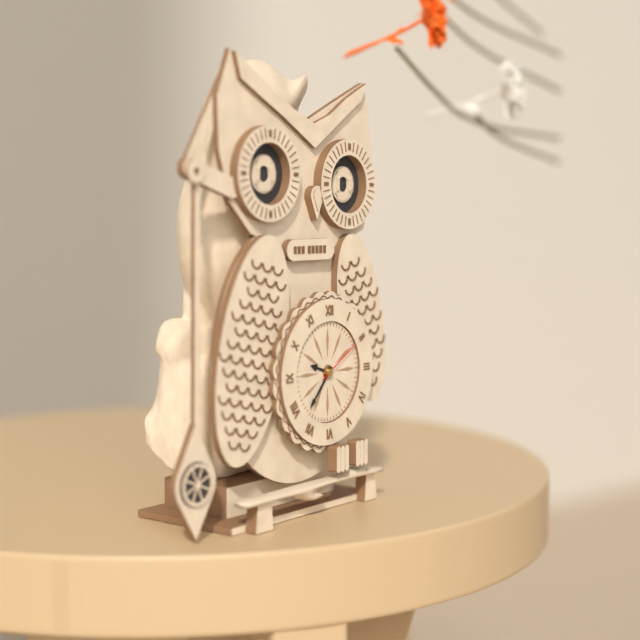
h=9 m=37 s=10
